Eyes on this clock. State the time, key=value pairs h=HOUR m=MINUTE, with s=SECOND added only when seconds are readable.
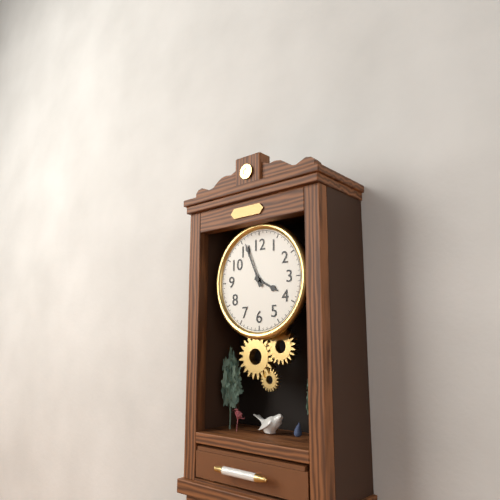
h=3 m=56
